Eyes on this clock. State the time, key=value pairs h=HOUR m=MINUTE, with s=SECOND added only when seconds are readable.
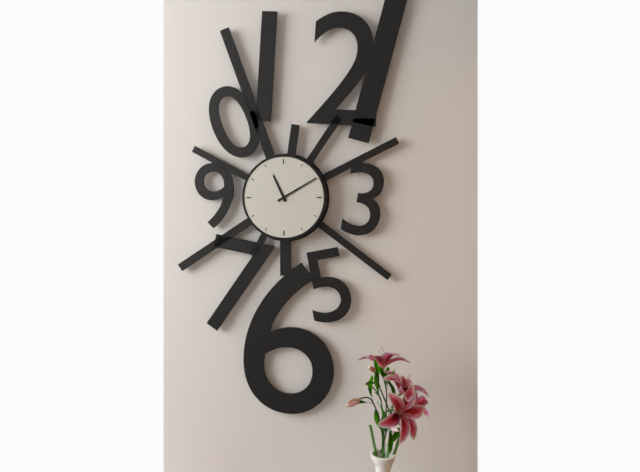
h=11 m=10
